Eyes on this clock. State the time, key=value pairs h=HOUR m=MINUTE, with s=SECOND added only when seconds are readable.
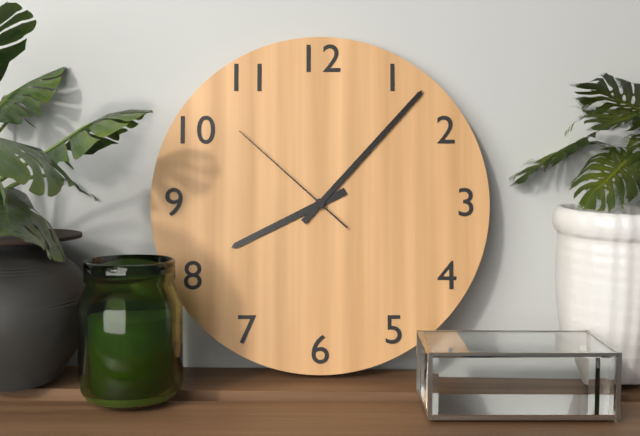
h=8 m=7 s=52
